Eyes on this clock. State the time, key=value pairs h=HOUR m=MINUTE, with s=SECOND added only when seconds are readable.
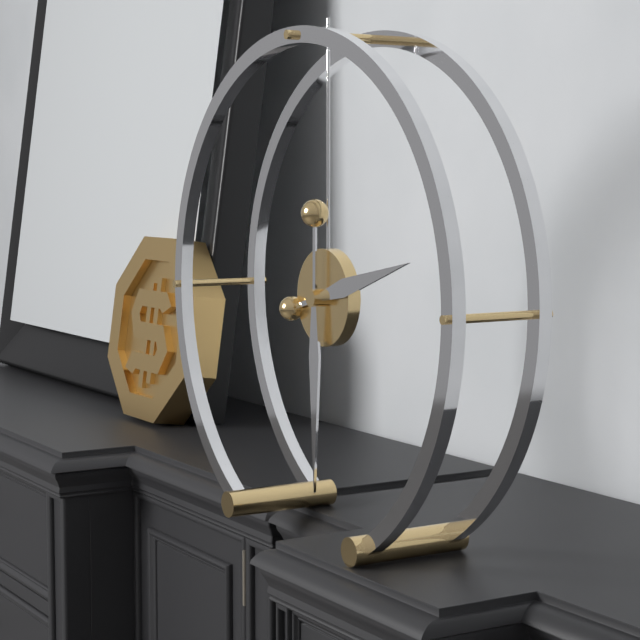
h=2 m=30
